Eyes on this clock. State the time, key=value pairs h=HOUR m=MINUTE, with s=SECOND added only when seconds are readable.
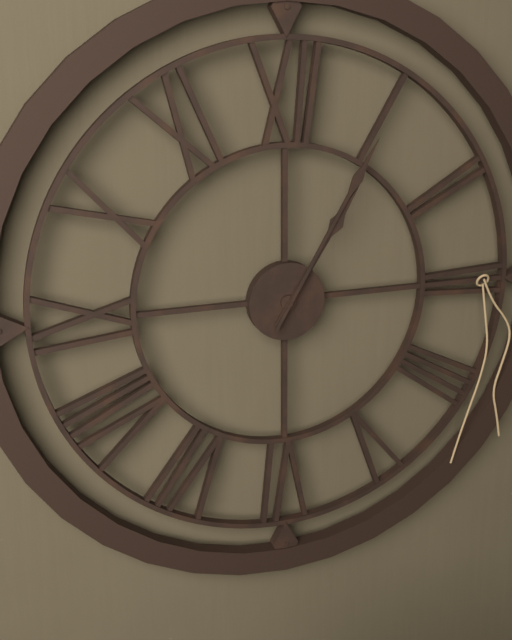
h=1 m=5
